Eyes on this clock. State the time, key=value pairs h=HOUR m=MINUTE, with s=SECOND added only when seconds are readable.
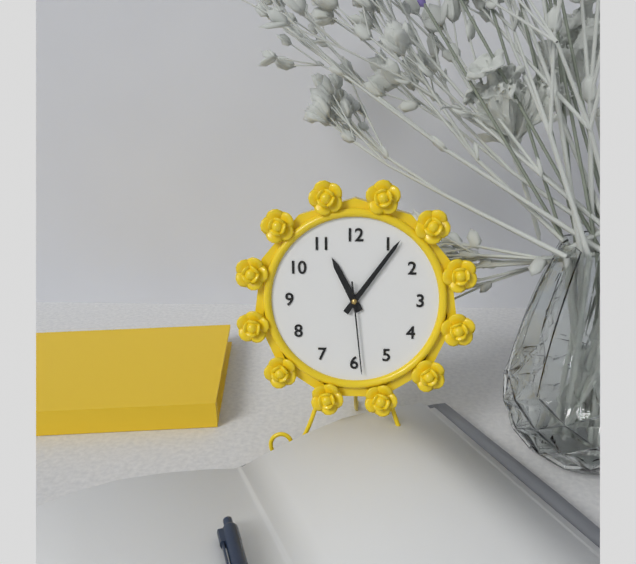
h=11 m=6 s=29
